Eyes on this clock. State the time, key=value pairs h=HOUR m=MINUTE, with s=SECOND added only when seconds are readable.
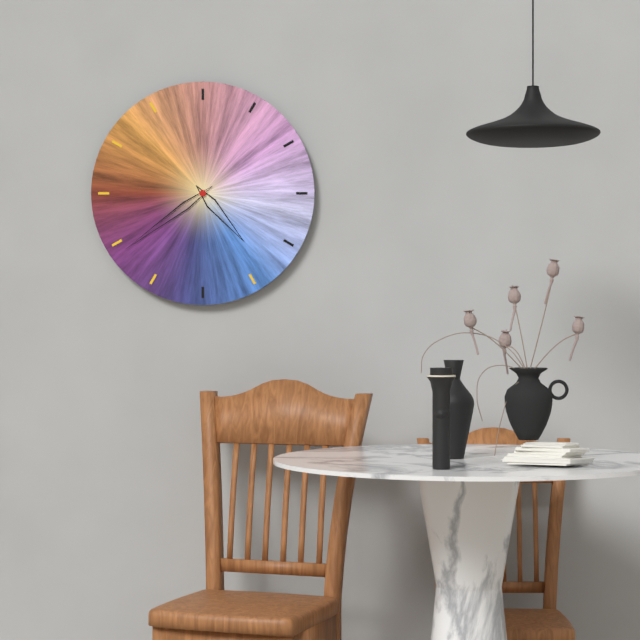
h=4 m=39
